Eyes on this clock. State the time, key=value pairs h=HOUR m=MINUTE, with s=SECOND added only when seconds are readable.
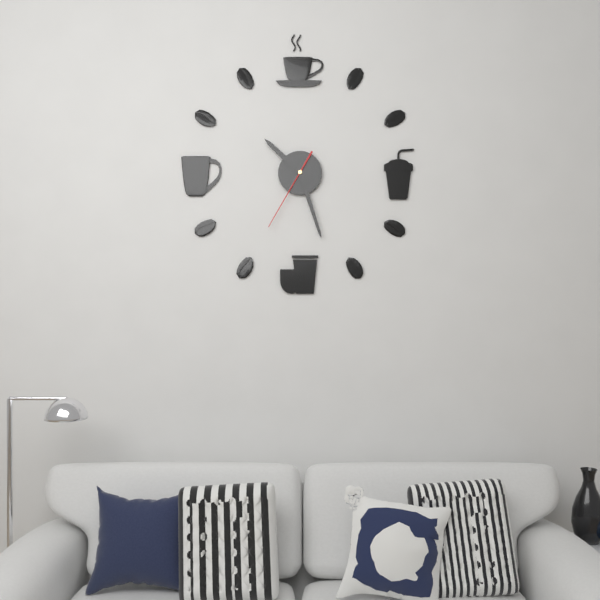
h=10 m=27 s=35
